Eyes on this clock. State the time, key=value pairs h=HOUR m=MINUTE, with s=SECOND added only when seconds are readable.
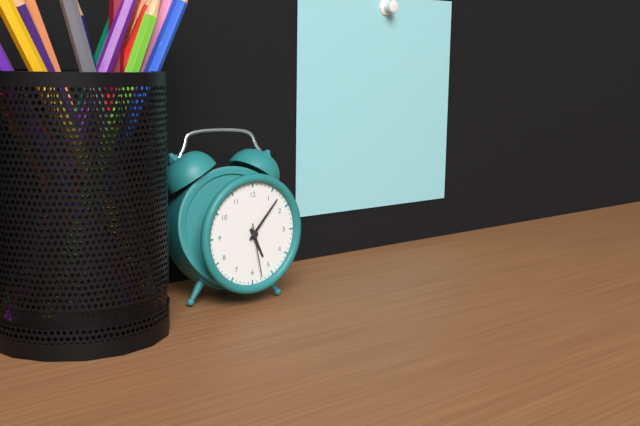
h=5 m=7 s=28
